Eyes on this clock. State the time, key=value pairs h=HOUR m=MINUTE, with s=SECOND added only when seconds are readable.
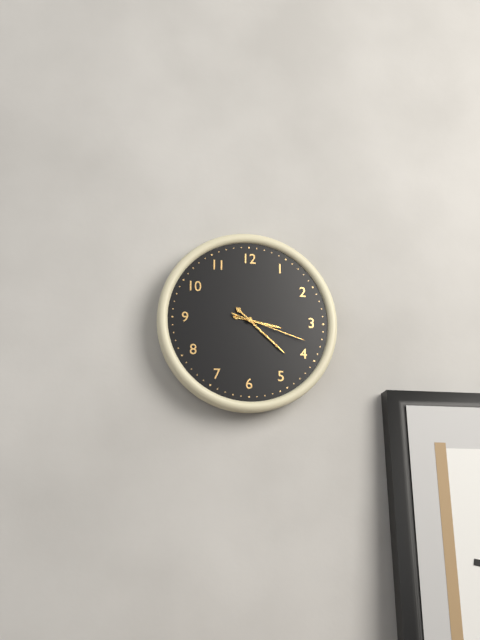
h=3 m=22 s=18
